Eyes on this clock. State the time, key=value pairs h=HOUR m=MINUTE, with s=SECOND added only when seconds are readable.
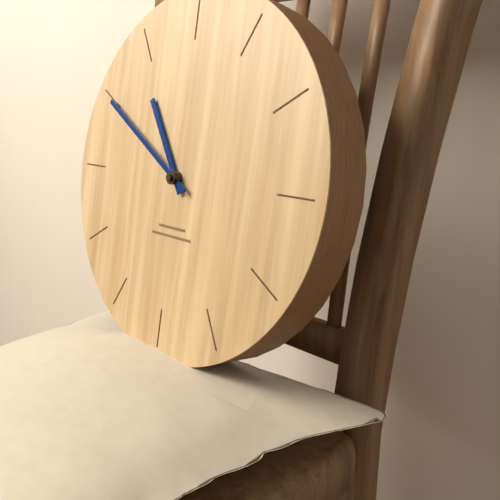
h=10 m=50
